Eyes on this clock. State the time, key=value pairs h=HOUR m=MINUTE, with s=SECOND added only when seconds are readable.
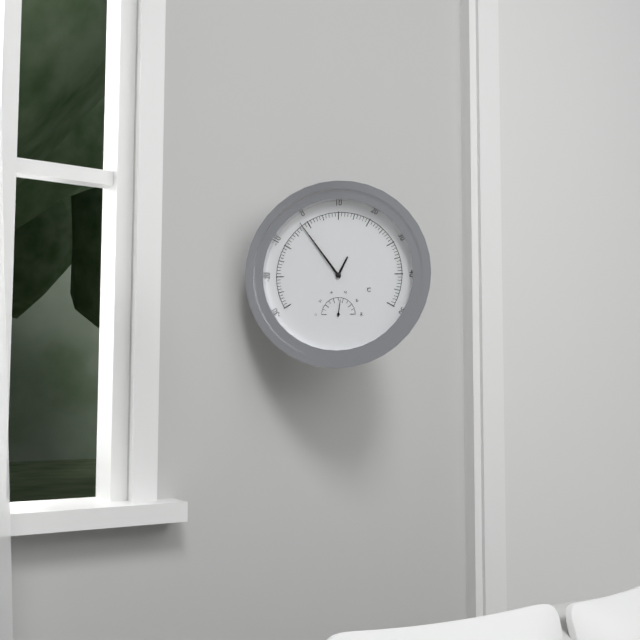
h=12 m=54
